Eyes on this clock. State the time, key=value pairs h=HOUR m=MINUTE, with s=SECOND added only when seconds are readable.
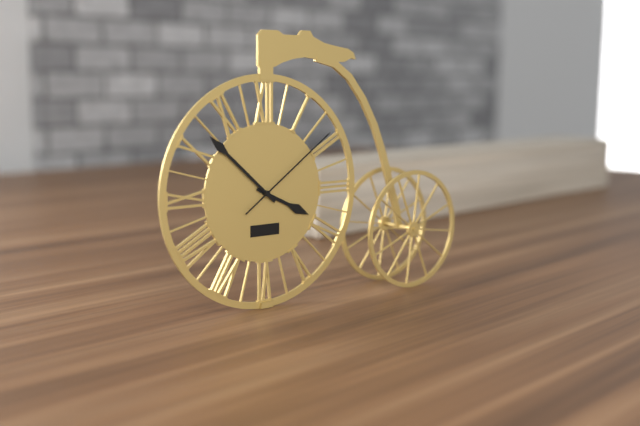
h=3 m=52 s=9
